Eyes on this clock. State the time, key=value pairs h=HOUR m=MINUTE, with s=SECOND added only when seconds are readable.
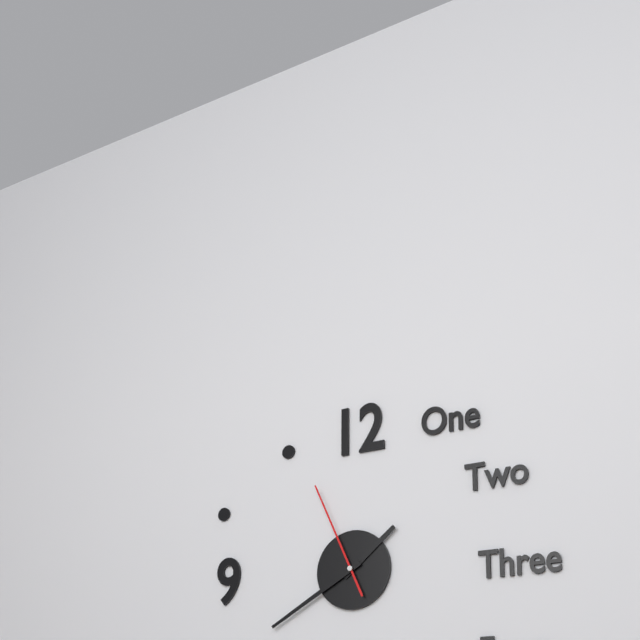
h=1 m=40 s=56
